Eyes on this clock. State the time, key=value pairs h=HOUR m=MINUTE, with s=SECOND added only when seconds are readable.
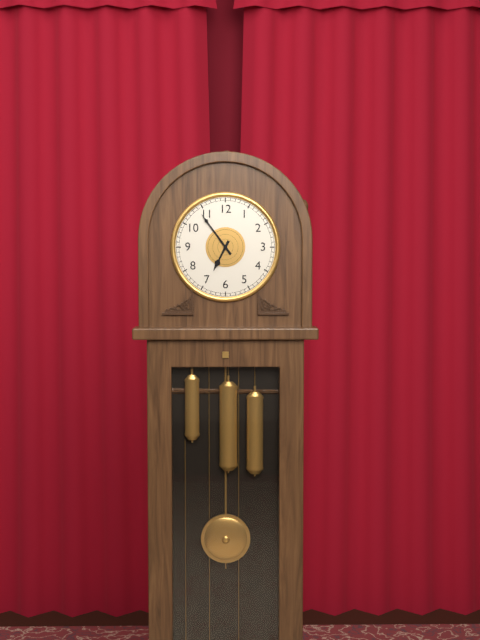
h=6 m=54
